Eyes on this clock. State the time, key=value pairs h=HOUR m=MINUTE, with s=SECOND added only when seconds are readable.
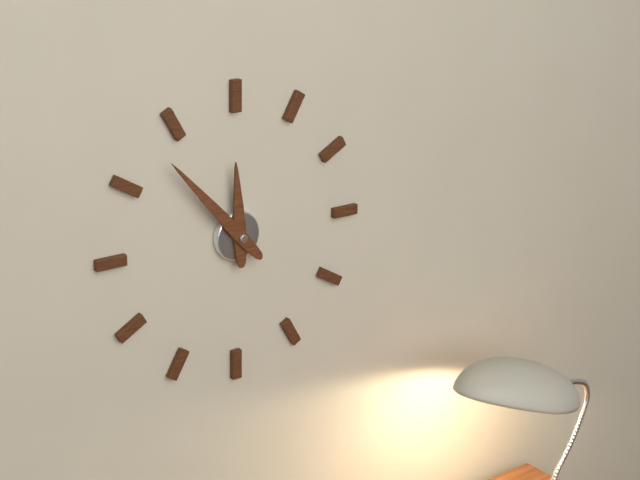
h=11 m=53
